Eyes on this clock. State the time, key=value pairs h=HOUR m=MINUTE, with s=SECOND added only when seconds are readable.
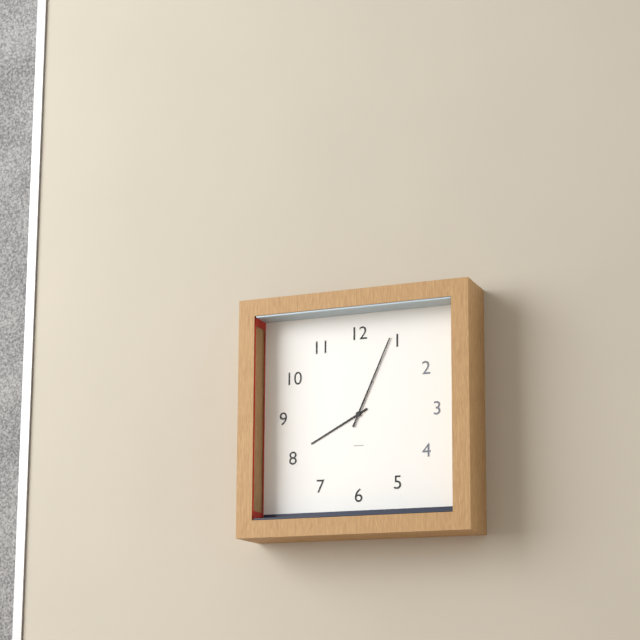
h=8 m=4
